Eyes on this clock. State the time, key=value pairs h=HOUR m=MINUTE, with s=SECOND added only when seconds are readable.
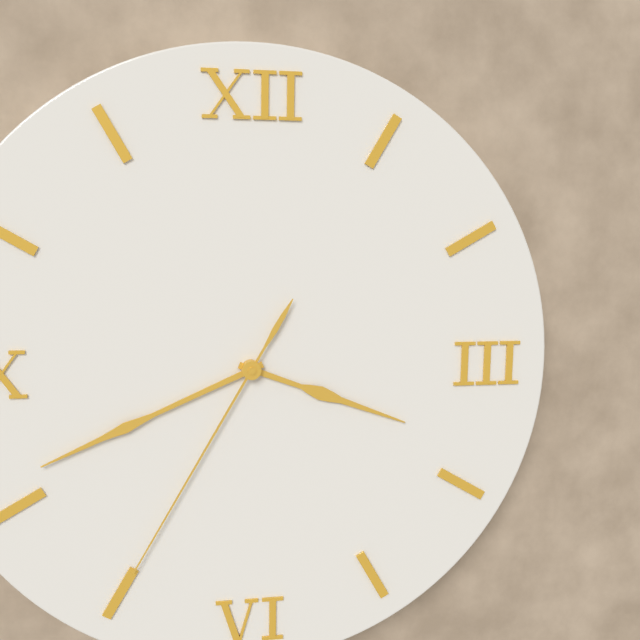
h=3 m=41 s=35
